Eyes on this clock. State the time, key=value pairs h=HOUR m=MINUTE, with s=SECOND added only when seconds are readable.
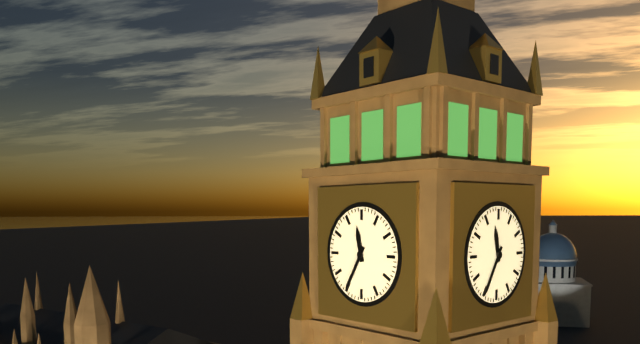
h=11 m=35
